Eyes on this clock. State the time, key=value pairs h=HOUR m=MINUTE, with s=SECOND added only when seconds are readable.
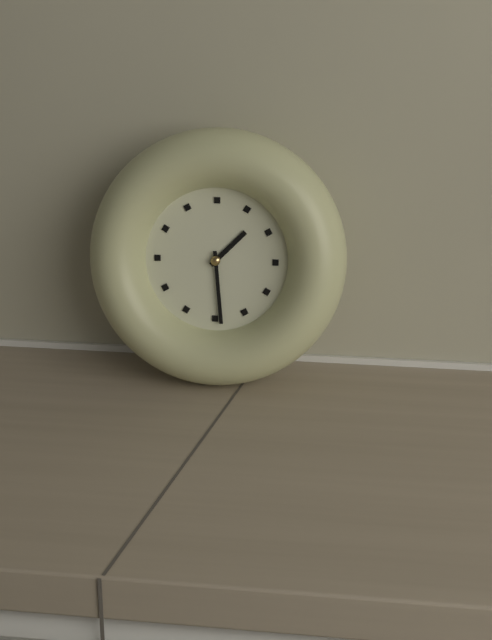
h=1 m=29
